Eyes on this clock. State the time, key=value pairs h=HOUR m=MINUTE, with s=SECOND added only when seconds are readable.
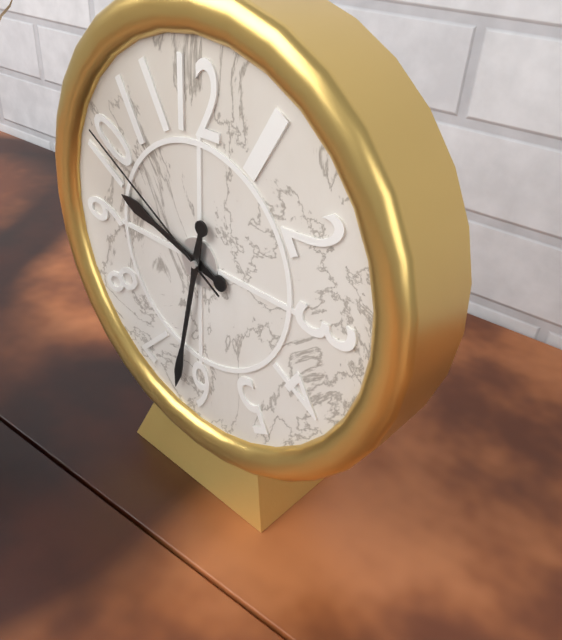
h=9 m=32 s=50
